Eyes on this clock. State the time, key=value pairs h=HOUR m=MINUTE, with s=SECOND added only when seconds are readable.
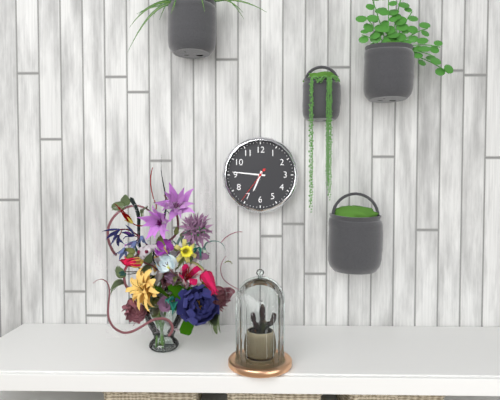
h=6 m=46
